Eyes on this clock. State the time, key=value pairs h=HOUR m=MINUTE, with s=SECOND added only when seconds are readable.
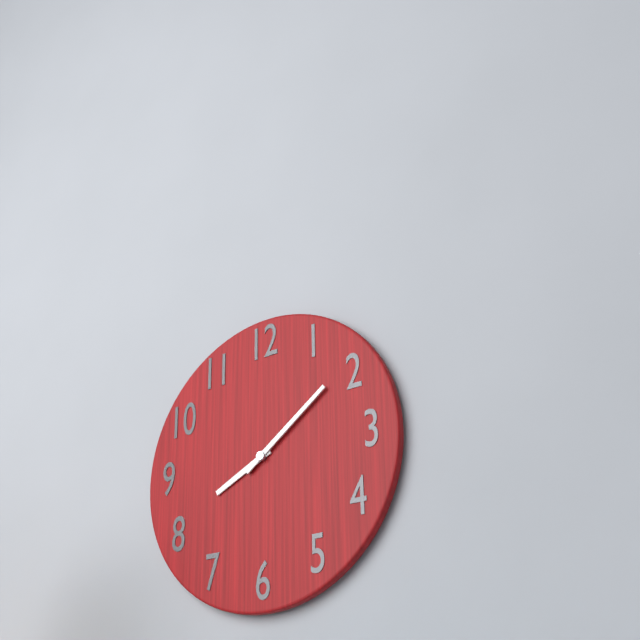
h=8 m=9
